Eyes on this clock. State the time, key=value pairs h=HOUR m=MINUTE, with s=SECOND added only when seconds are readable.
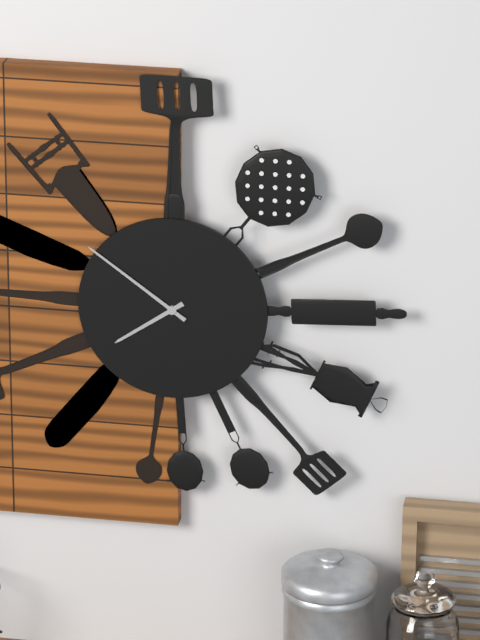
h=7 m=51
